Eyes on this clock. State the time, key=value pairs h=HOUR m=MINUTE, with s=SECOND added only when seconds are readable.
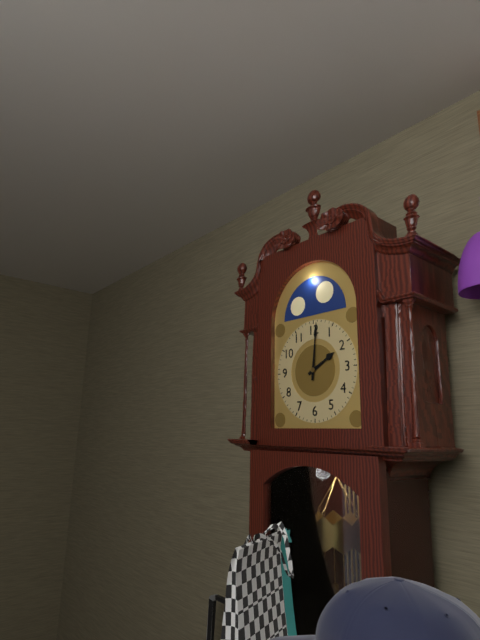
h=2 m=1
